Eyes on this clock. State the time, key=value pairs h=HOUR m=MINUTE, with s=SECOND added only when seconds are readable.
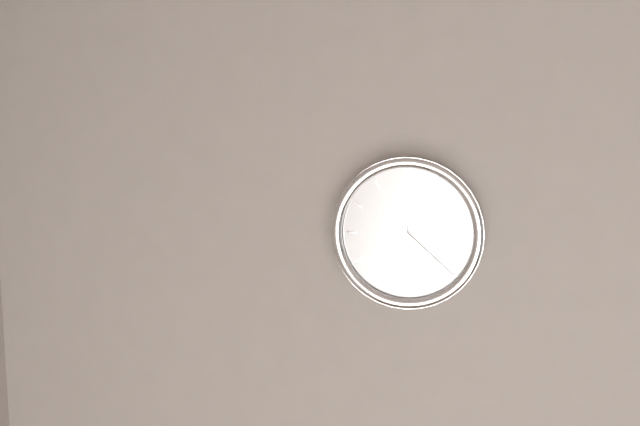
h=5 m=22 s=31
